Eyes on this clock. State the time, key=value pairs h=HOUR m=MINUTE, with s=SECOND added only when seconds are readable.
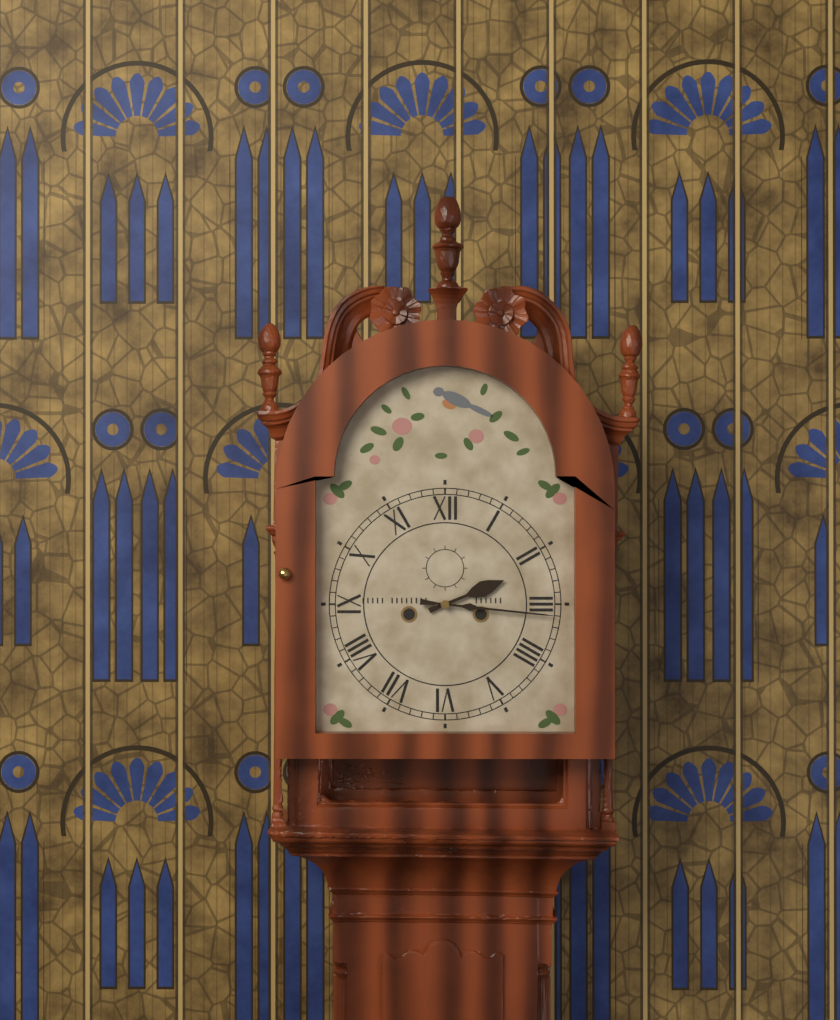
h=2 m=16
